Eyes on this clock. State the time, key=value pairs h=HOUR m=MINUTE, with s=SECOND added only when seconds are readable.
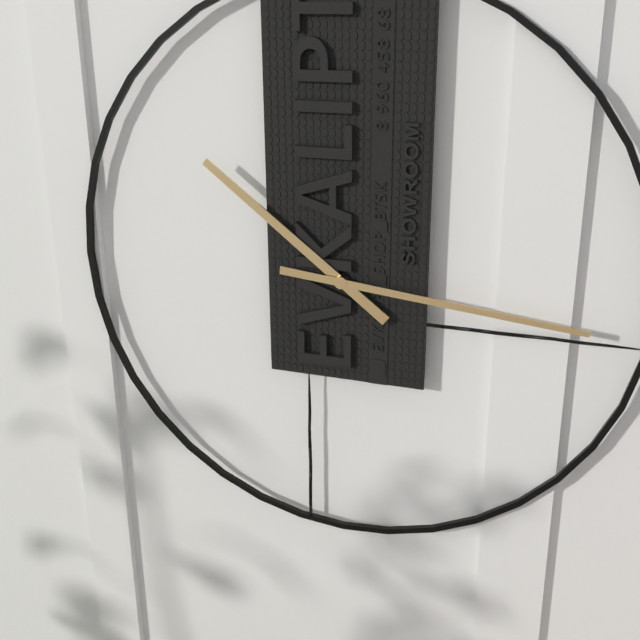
h=10 m=16
